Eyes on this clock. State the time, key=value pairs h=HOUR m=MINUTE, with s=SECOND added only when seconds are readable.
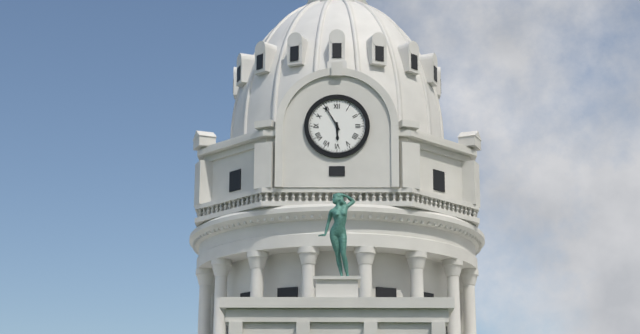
h=5 m=55
